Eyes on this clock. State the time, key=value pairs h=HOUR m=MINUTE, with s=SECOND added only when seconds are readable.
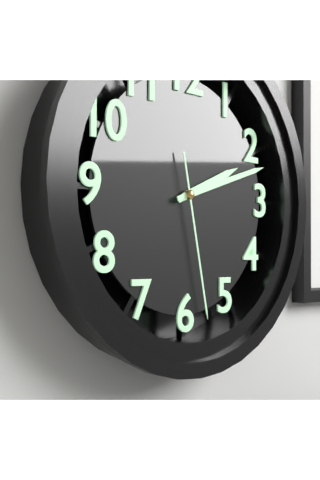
h=2 m=12 s=28
